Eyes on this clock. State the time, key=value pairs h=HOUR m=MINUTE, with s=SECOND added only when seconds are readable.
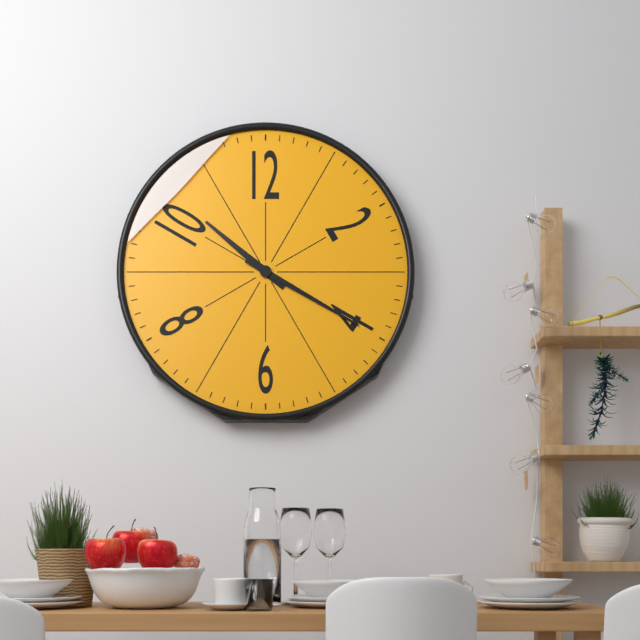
h=10 m=20
